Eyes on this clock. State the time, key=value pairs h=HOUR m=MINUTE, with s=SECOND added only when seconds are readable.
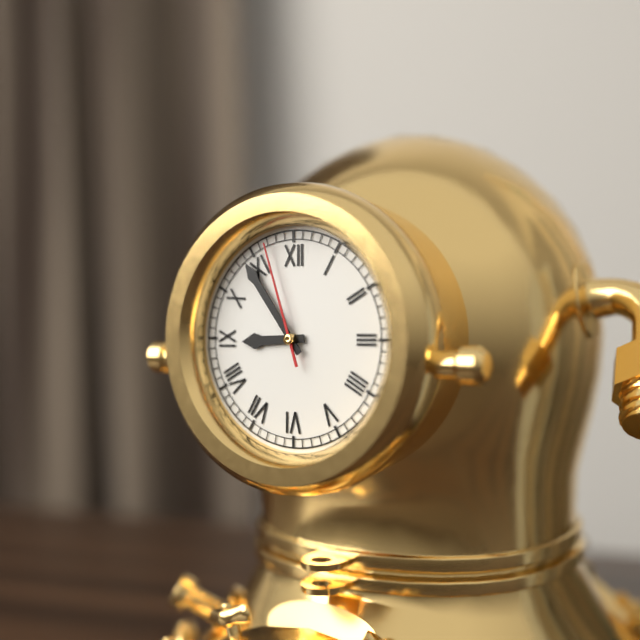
h=8 m=54 s=57
